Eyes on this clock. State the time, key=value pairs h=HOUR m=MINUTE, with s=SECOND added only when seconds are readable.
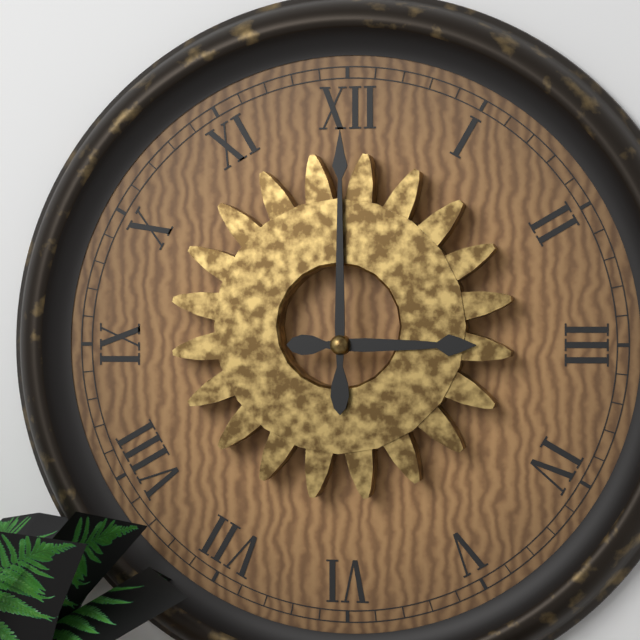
h=3 m=0
